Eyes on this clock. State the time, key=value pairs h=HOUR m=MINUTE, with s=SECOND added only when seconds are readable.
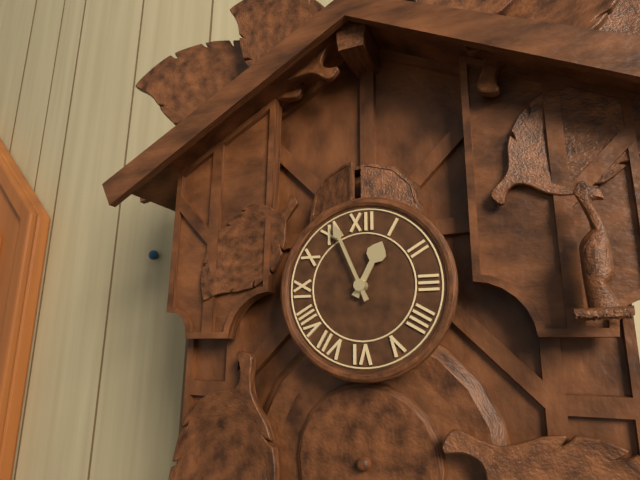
h=12 m=56
